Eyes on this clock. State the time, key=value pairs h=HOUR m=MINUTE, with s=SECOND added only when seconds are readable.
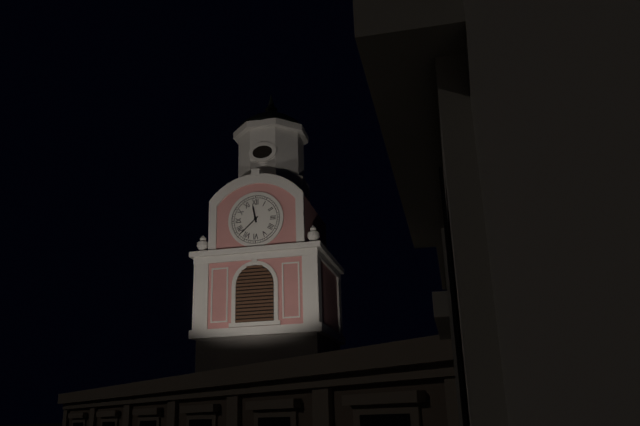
h=11 m=38
